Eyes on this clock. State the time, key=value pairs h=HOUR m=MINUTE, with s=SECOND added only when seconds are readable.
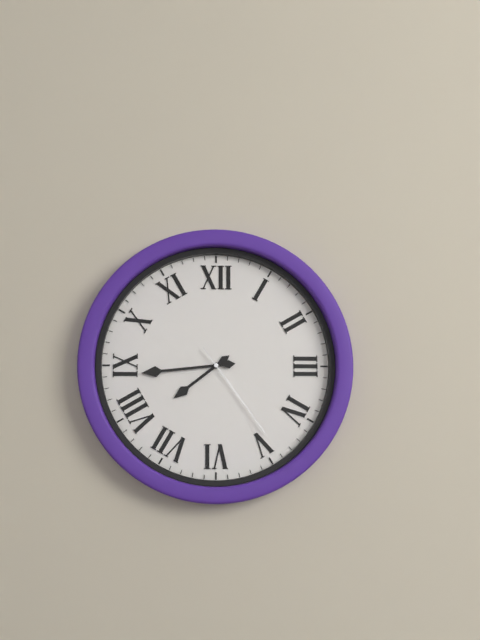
h=7 m=44 s=24
